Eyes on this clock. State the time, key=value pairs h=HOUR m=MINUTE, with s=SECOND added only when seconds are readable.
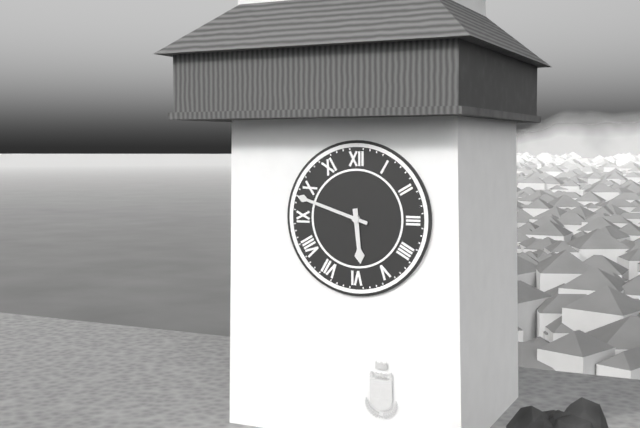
h=5 m=48
